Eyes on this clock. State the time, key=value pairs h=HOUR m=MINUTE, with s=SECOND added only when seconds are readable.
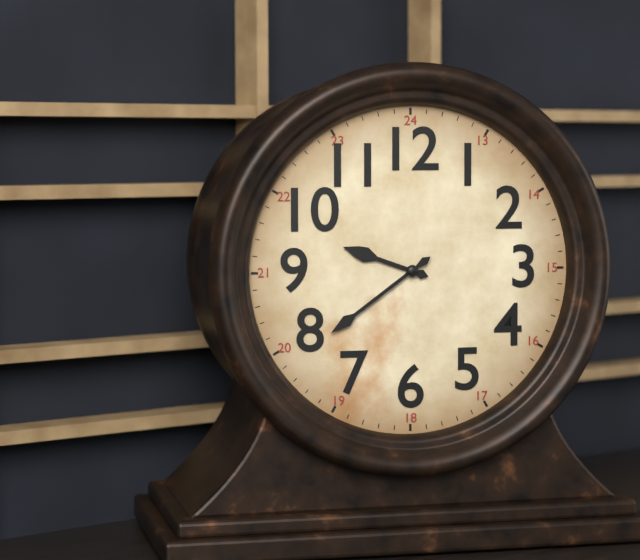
h=9 m=39
